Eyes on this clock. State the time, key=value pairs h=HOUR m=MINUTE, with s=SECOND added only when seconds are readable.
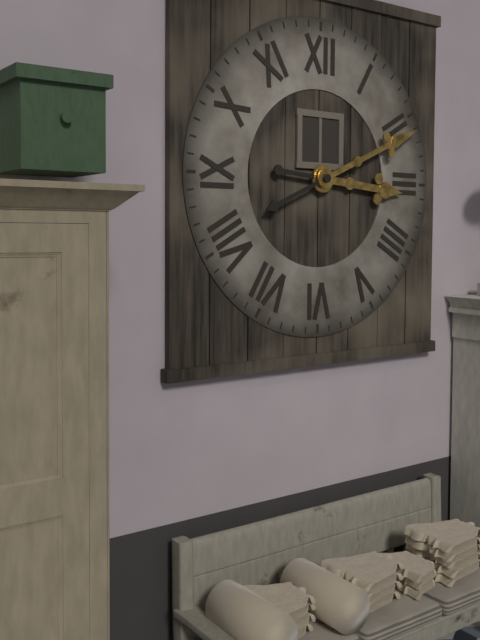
h=3 m=11
